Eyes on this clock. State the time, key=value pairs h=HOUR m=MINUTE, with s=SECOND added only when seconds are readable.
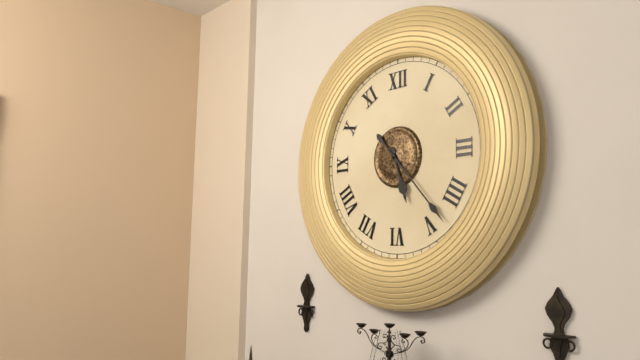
h=5 m=23
